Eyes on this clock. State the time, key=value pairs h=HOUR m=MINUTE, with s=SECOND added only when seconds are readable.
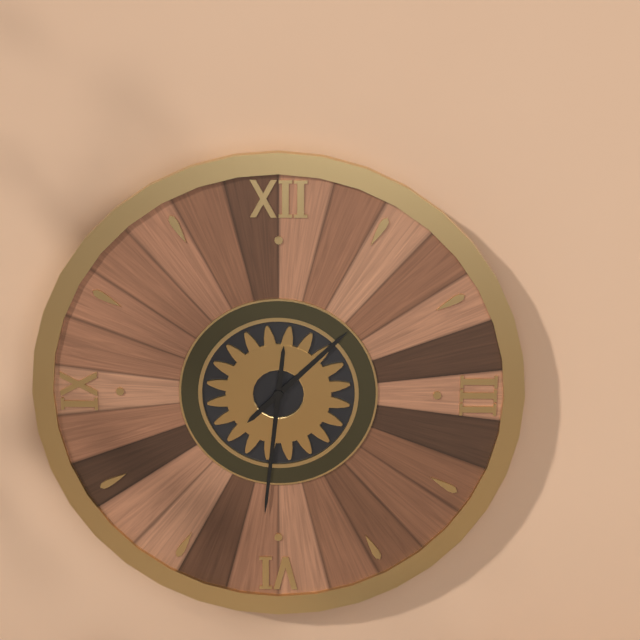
h=1 m=31
